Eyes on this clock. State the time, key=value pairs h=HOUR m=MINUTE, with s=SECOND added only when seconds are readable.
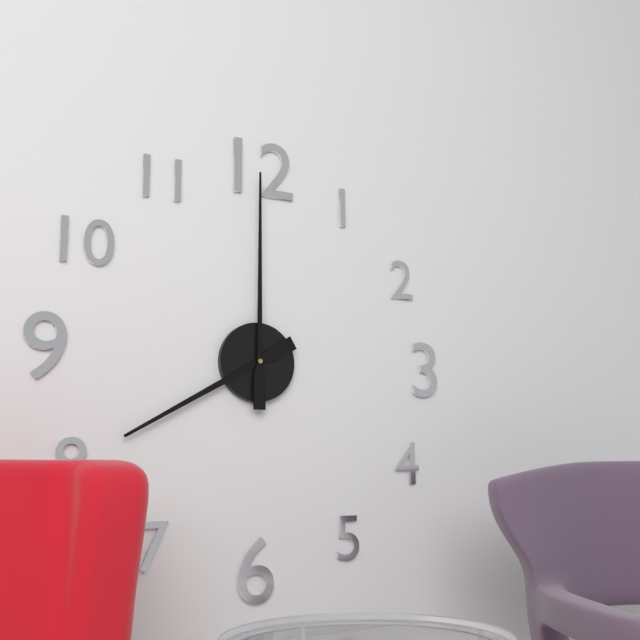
h=8 m=0
